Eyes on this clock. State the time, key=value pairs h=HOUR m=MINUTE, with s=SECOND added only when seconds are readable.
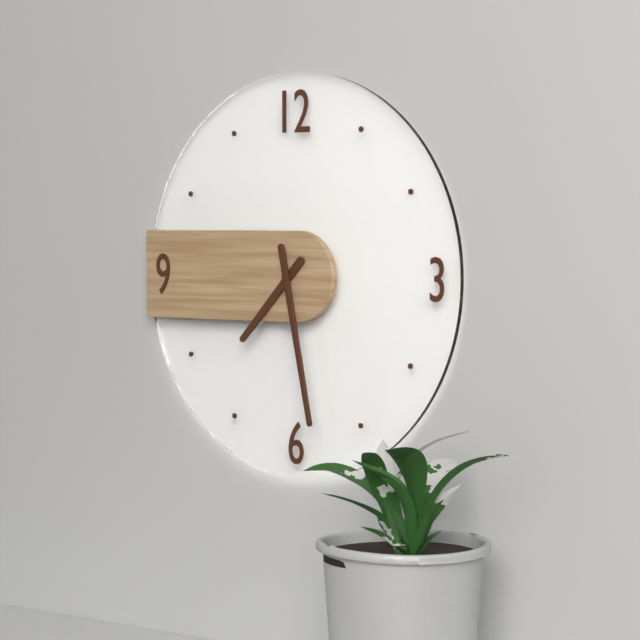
h=7 m=28
